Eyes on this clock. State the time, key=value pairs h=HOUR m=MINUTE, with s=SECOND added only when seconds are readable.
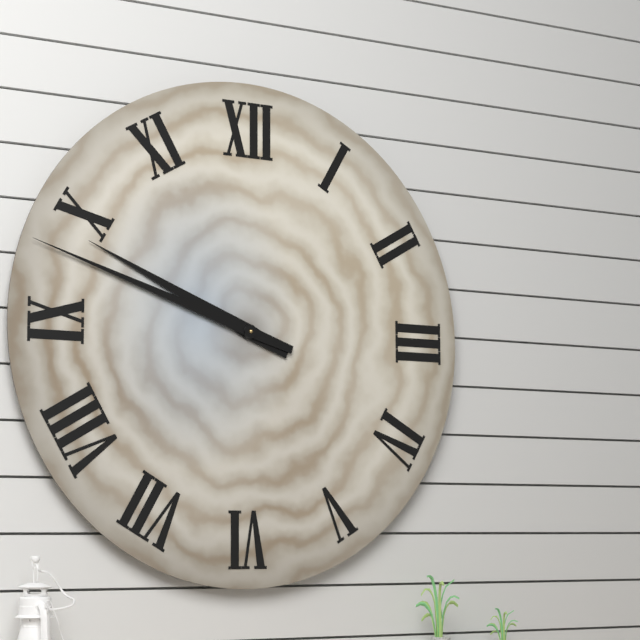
h=9 m=48
